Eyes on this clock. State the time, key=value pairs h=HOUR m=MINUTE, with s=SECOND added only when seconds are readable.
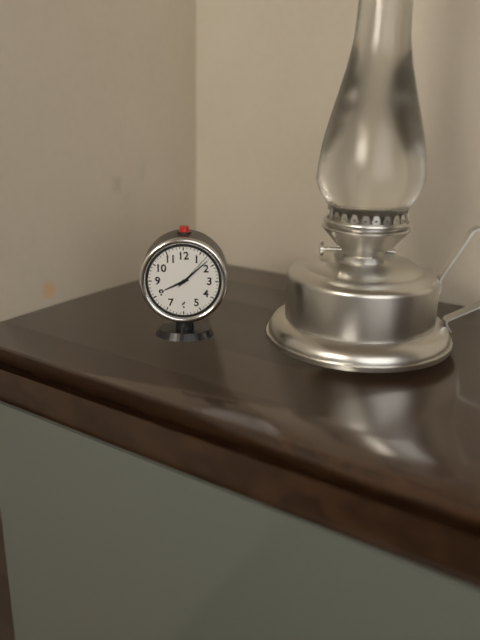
h=8 m=8
